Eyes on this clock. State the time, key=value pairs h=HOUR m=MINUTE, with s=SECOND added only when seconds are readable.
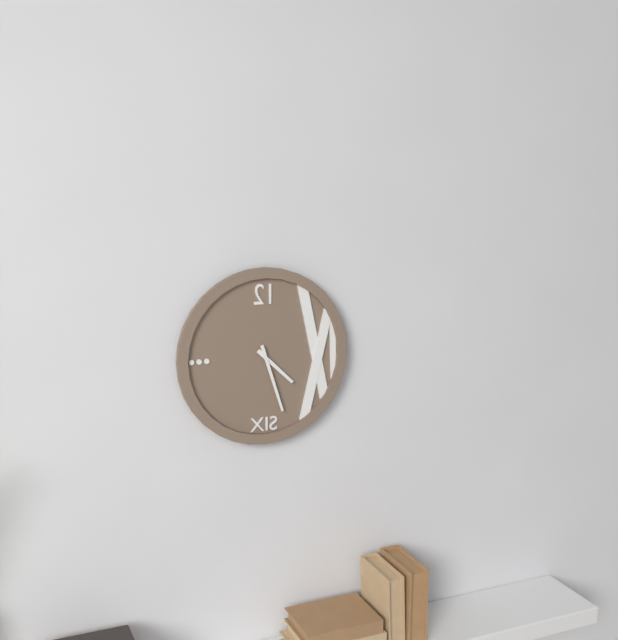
h=4 m=27
